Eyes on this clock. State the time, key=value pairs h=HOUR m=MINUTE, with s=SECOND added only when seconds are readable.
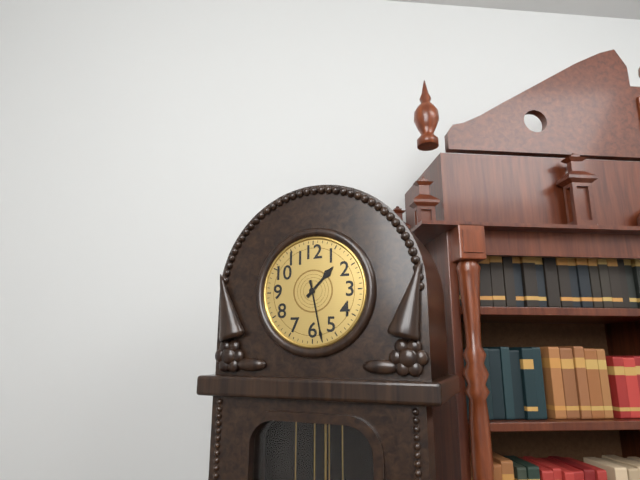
h=1 m=28
